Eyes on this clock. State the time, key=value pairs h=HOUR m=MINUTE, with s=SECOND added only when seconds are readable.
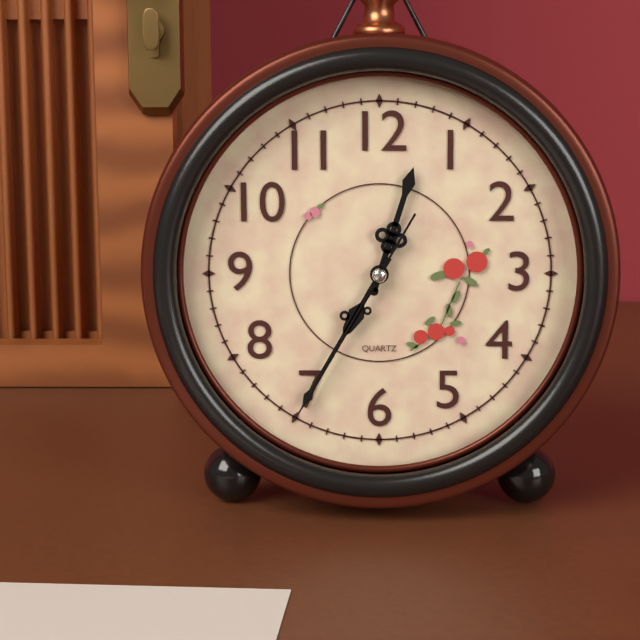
h=12 m=35 s=35
